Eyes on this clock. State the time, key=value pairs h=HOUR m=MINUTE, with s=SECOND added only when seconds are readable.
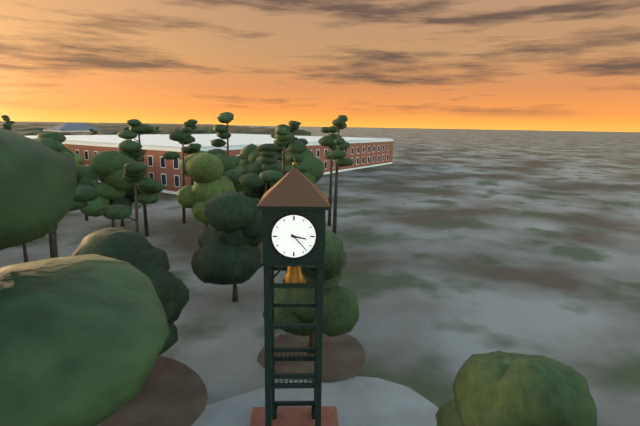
h=3 m=23
